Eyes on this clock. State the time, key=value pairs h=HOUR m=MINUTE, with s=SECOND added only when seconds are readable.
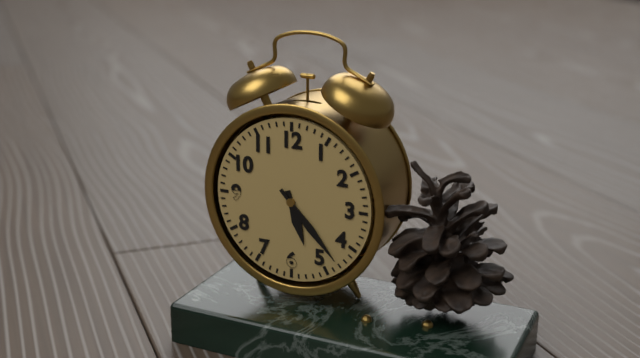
h=5 m=23
